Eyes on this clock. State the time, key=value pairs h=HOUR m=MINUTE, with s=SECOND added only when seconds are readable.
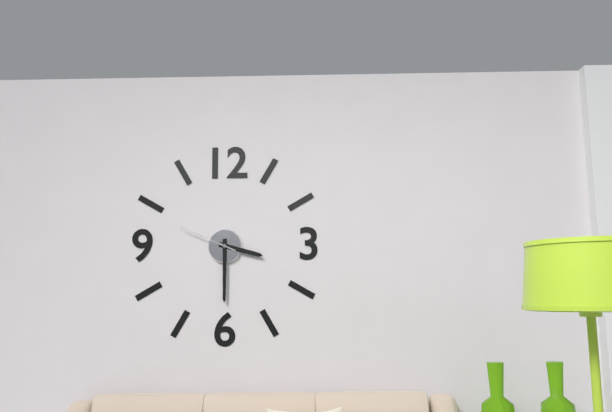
h=3 m=30 s=49
